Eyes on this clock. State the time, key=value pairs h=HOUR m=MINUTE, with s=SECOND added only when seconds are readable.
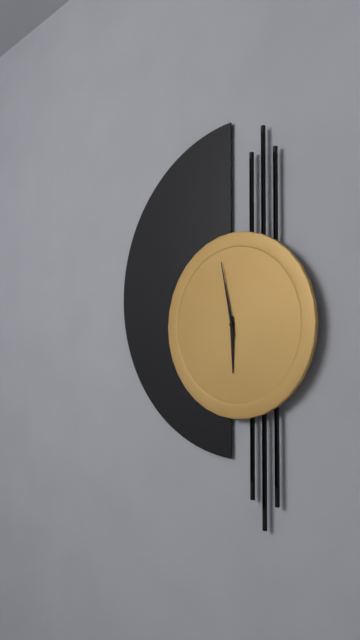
h=5 m=58
